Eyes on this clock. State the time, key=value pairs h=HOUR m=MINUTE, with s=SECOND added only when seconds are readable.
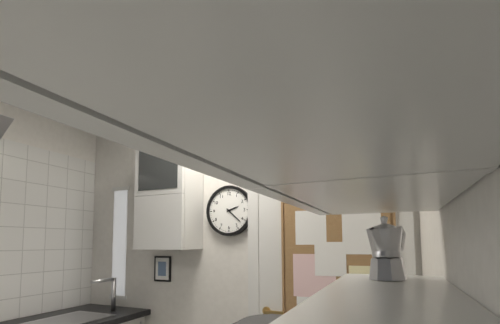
h=2 m=22
